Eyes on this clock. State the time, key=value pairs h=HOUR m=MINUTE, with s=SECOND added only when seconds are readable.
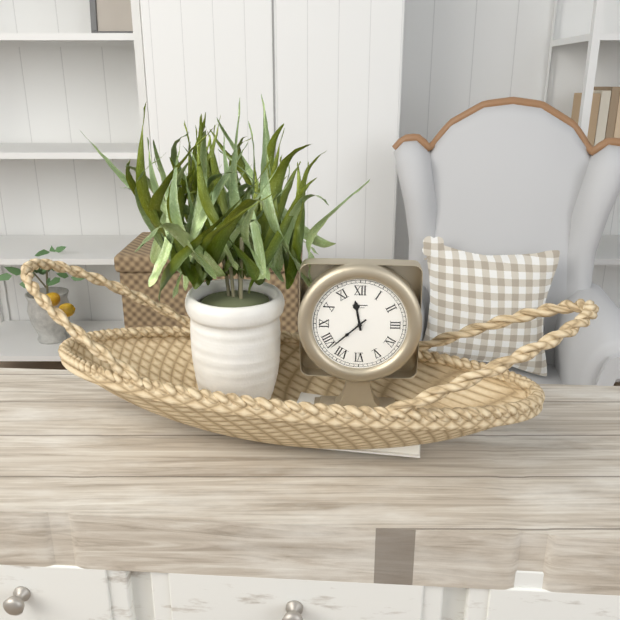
h=11 m=38
